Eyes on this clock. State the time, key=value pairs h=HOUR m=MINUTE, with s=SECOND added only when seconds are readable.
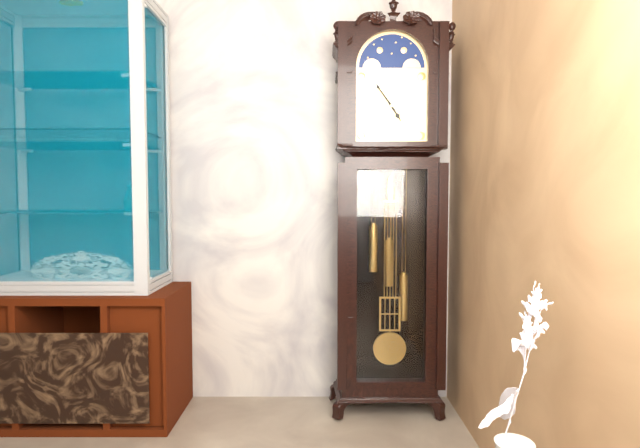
h=4 m=54
